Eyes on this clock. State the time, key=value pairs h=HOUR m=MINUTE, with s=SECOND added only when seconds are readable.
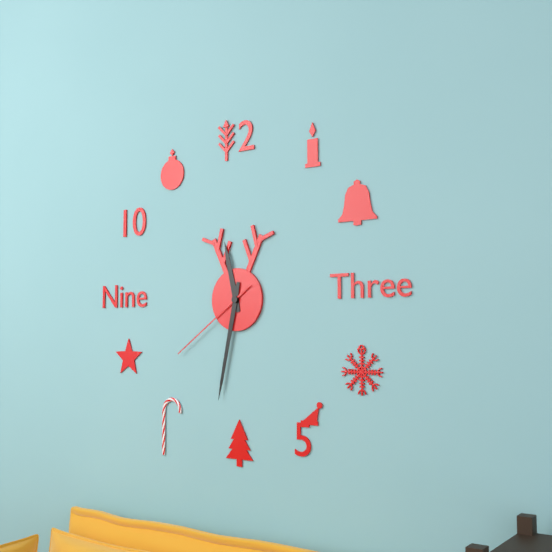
h=11 m=32 s=39
